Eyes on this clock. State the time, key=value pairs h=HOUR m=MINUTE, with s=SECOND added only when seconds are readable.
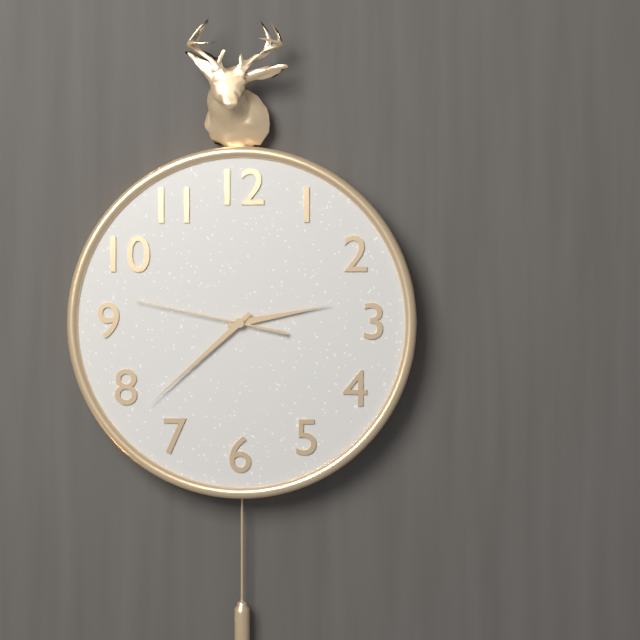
h=2 m=38 s=47
